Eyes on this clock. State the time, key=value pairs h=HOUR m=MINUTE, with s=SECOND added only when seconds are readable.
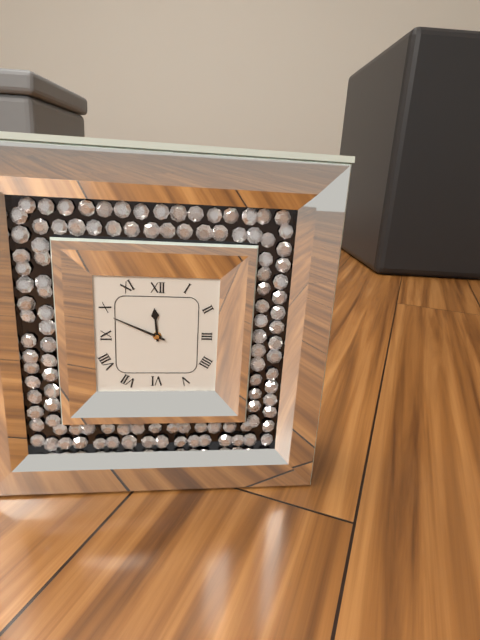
h=11 m=49
